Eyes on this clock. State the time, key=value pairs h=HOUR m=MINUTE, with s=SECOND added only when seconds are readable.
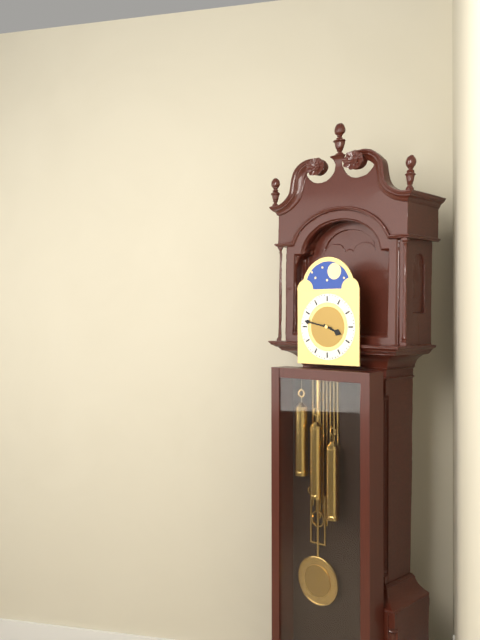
h=3 m=47
